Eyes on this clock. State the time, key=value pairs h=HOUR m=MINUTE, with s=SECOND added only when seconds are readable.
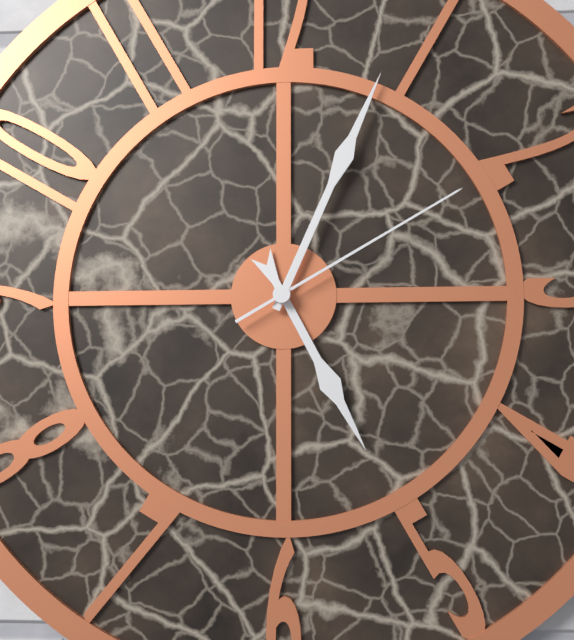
h=5 m=4 s=10
